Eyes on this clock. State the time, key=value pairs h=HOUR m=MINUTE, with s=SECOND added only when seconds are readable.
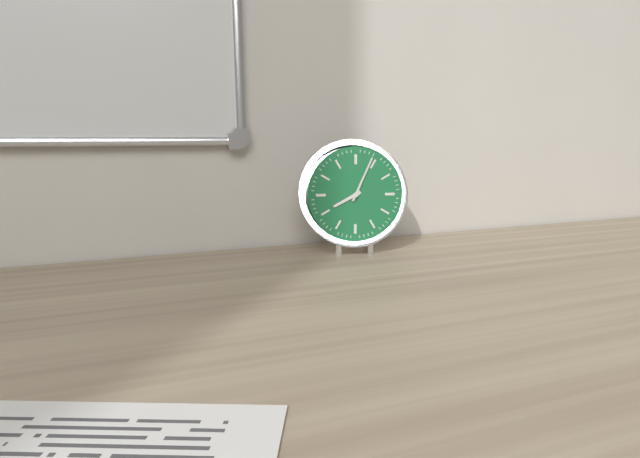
h=8 m=4
